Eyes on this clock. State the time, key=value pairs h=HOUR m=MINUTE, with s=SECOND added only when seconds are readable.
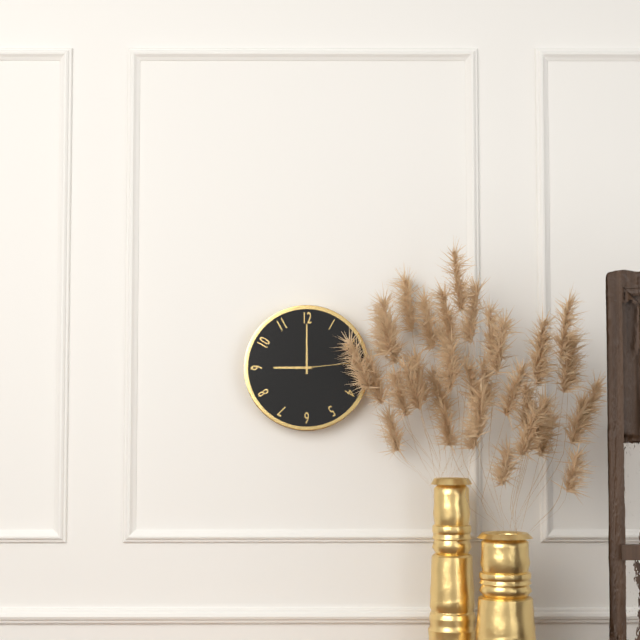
h=9 m=0 s=14
